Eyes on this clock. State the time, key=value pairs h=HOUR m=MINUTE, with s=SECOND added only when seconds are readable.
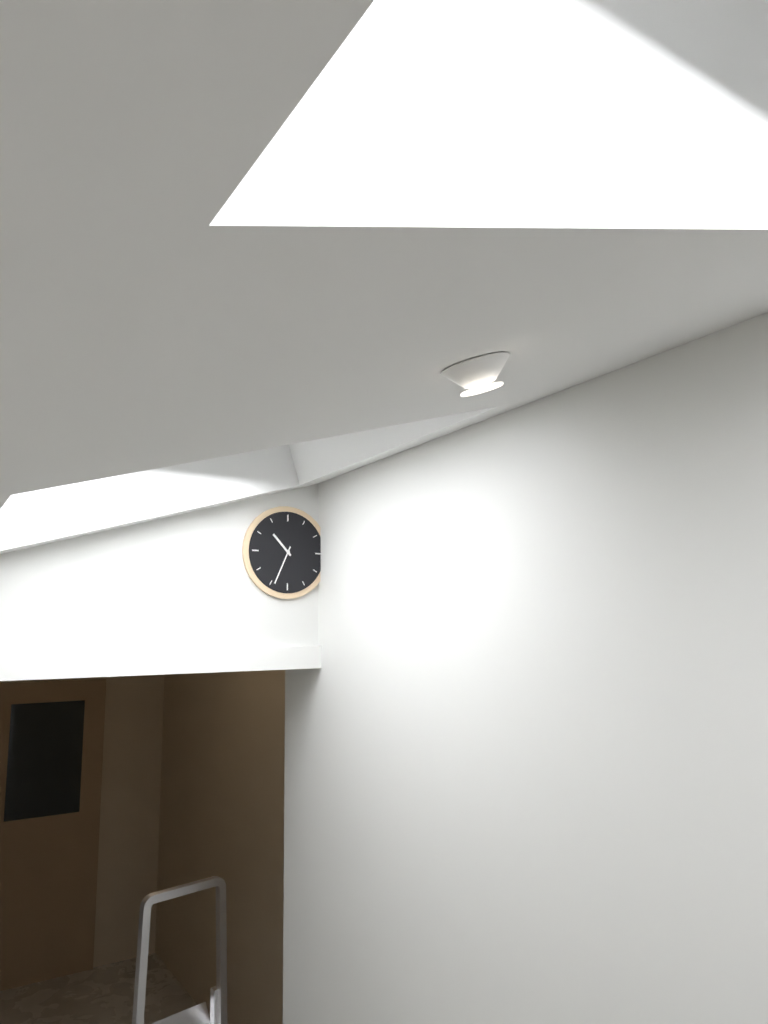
h=10 m=34
